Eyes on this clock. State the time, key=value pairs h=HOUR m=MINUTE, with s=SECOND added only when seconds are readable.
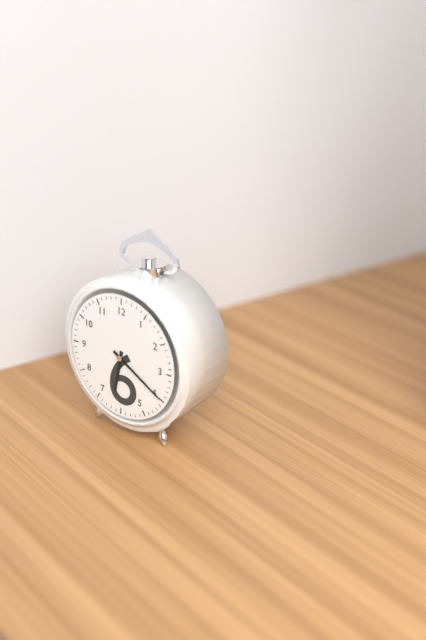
h=6 m=20
